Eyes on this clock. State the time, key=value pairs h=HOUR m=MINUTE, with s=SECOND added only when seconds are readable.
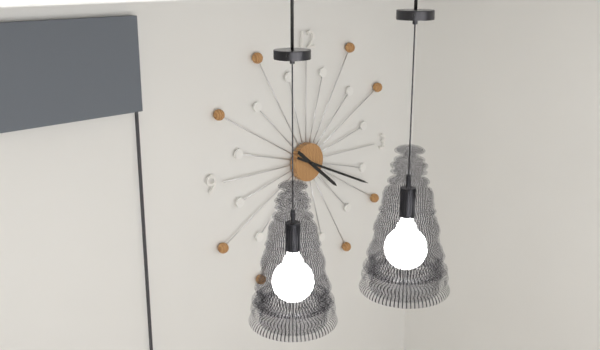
h=4 m=19
